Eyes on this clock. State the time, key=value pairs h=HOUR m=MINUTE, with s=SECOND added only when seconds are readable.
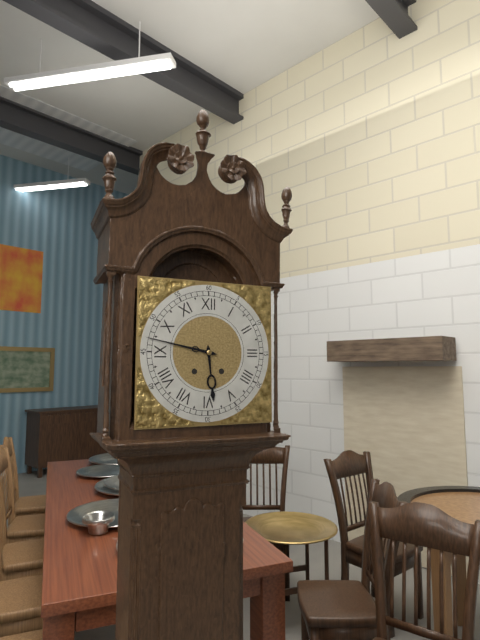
h=5 m=47
